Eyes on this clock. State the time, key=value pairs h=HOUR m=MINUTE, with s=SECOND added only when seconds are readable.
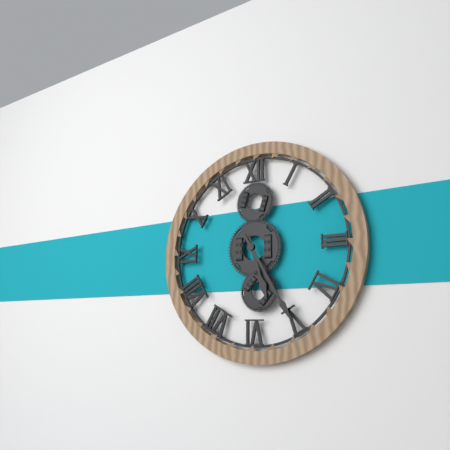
h=5 m=25
